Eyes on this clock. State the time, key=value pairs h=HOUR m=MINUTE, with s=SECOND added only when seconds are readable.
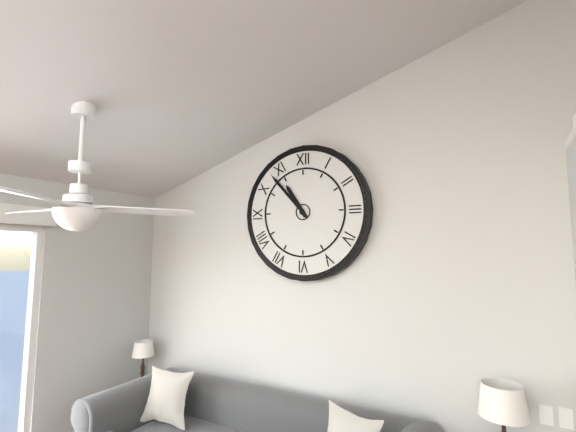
h=10 m=53
